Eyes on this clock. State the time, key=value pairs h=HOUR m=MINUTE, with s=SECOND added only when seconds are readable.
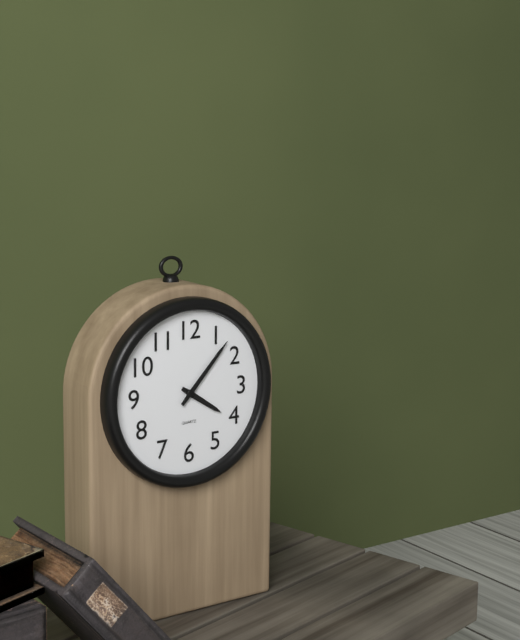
h=4 m=7
